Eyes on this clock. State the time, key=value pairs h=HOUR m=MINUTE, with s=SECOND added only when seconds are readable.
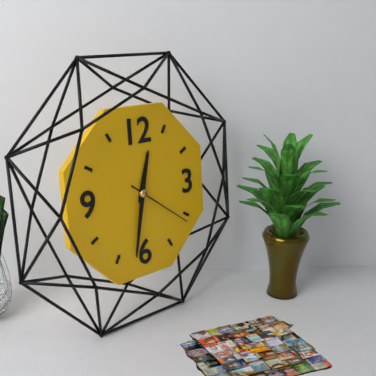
h=12 m=32 s=21
